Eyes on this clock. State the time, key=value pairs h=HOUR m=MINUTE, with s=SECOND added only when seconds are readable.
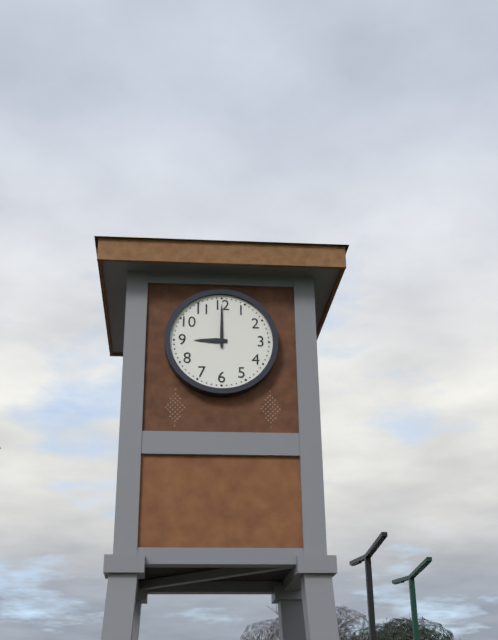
h=9 m=0
